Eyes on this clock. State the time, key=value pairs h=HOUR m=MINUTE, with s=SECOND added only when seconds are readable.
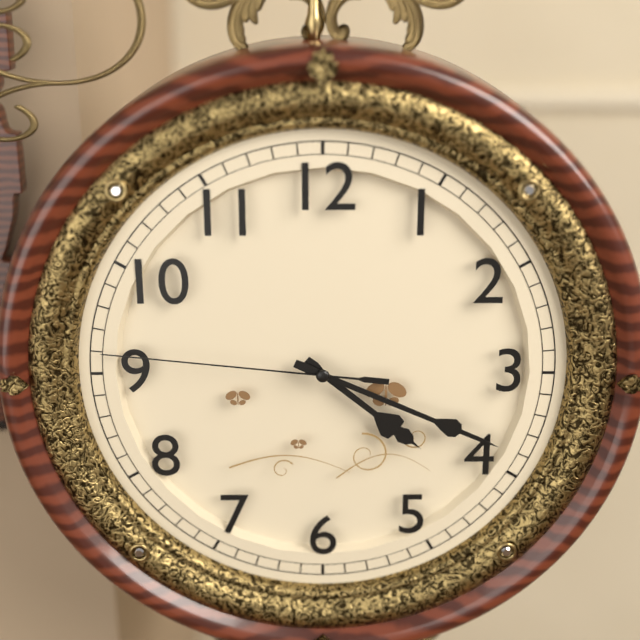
h=4 m=19 s=46
